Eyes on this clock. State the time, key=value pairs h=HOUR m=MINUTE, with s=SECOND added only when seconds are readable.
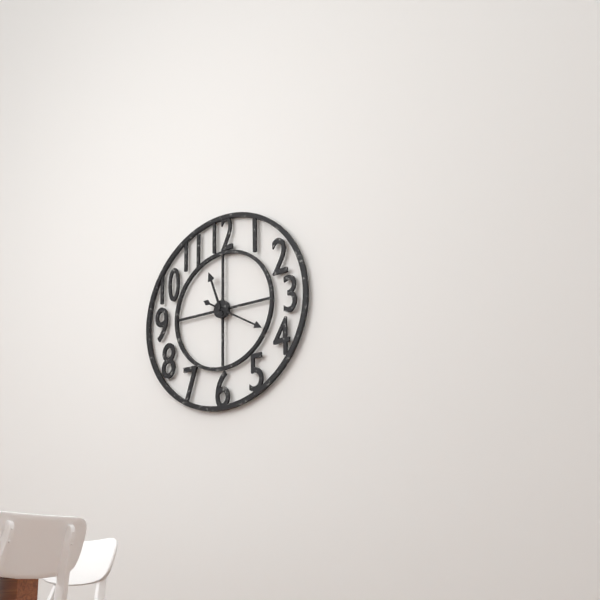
h=11 m=20
